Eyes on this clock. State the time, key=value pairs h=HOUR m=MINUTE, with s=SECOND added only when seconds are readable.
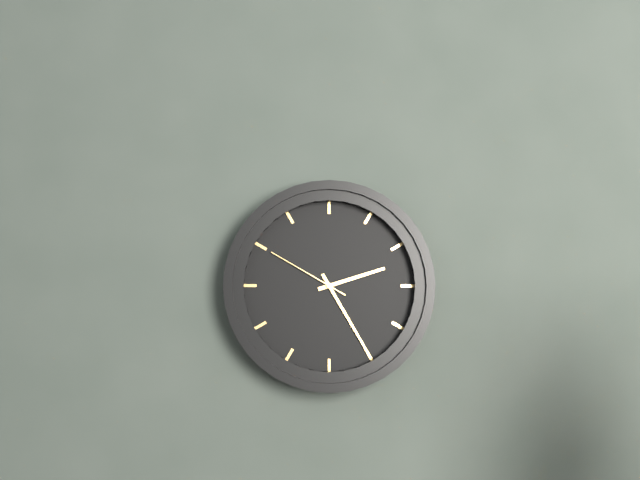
h=2 m=25 s=50
